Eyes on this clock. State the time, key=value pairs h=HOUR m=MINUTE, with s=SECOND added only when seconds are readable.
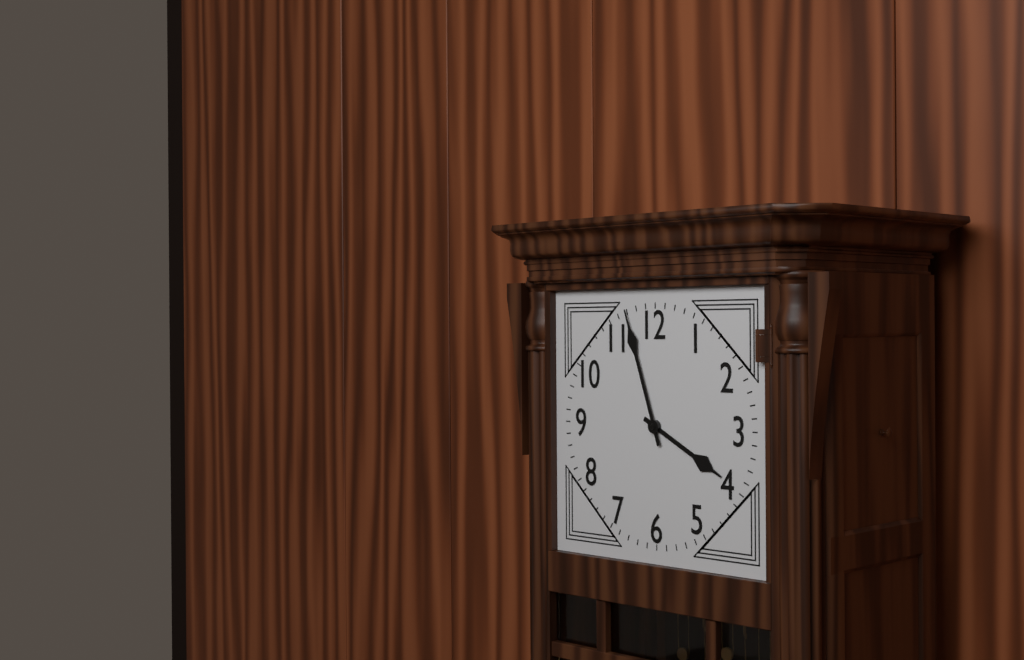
h=3 m=57
